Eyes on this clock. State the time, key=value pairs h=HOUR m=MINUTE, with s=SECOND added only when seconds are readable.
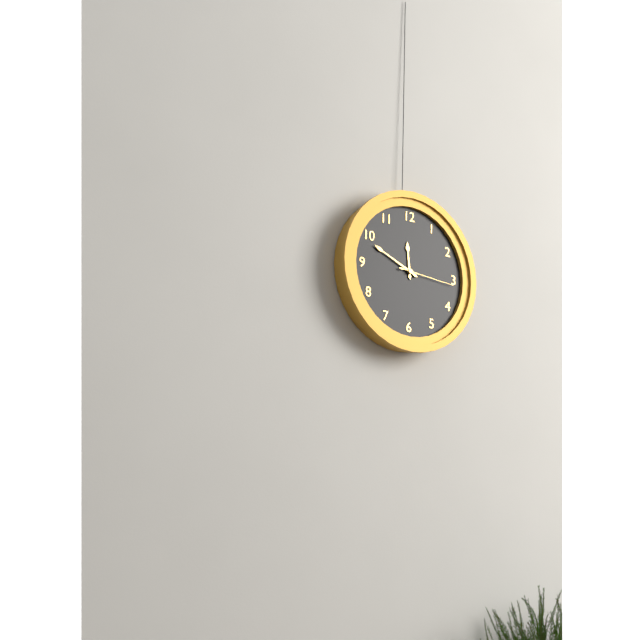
h=11 m=49 s=16
